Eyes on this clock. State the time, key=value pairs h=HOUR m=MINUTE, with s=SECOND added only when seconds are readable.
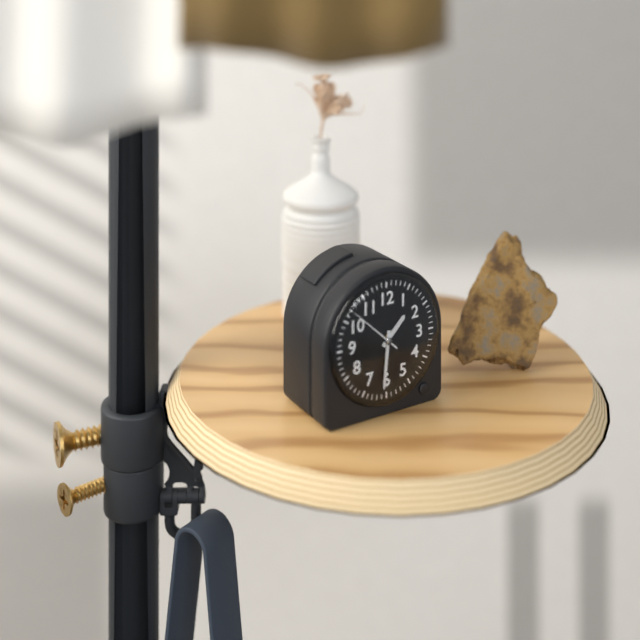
h=1 m=31
